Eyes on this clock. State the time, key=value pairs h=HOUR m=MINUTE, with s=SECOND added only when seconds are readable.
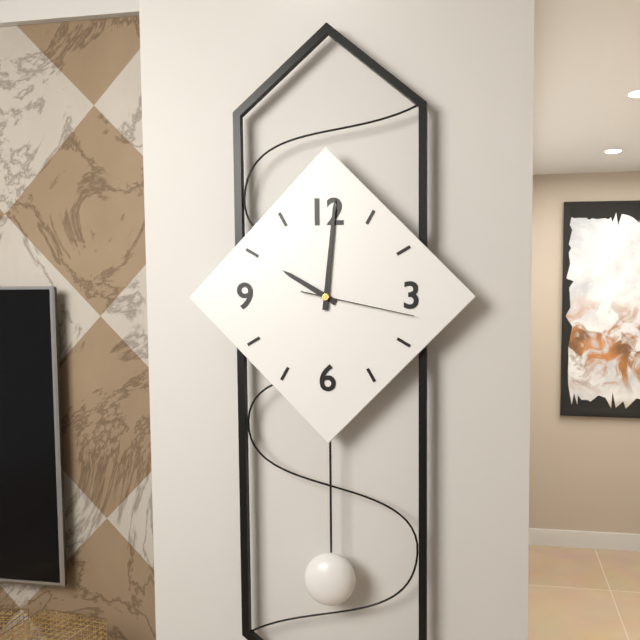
h=10 m=1 s=17
